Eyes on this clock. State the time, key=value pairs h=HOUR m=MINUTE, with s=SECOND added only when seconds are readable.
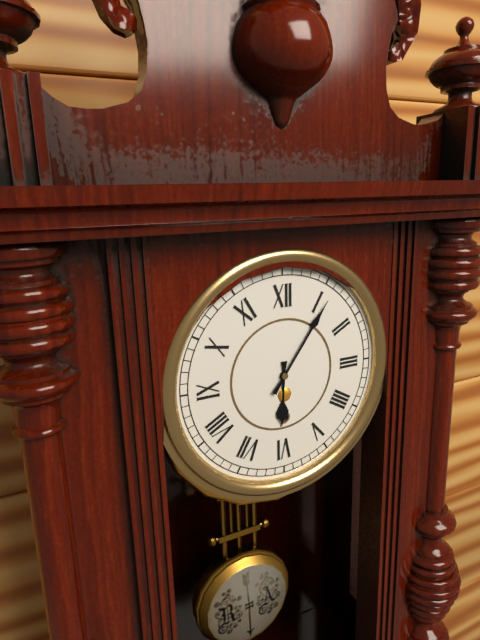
h=6 m=6
